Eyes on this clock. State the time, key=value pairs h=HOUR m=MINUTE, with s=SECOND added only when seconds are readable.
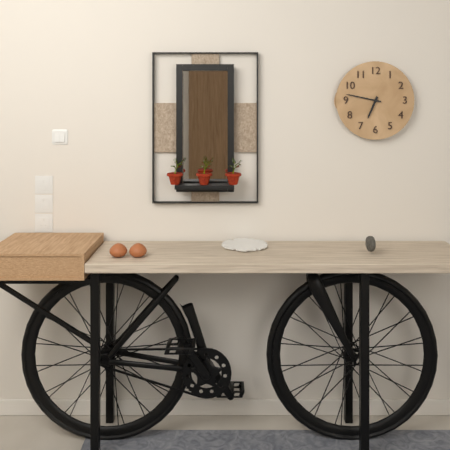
h=6 m=47
